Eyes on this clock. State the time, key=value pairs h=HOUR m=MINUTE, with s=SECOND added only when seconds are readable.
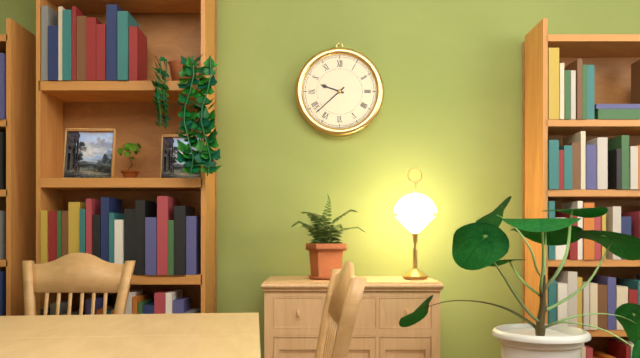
h=9 m=38
